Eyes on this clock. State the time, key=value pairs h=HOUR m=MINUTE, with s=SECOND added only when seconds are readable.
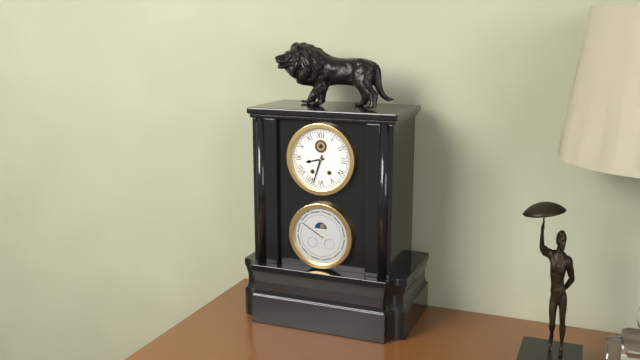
h=8 m=33
